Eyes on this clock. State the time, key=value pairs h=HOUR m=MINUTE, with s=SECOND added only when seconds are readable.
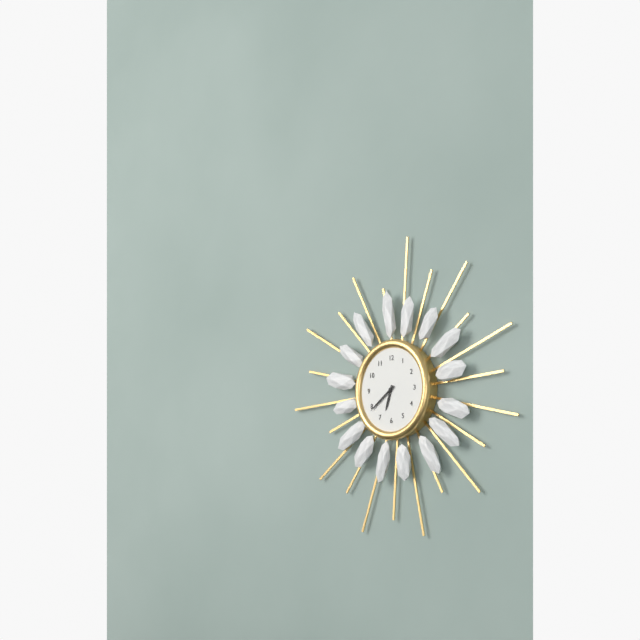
h=6 m=39
